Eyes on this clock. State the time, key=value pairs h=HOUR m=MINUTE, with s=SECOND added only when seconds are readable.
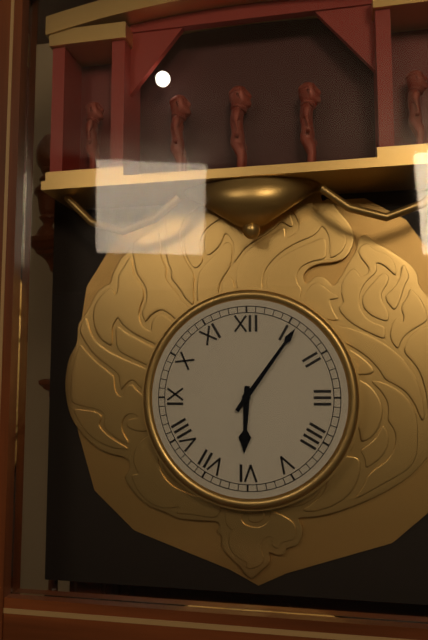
h=6 m=6
